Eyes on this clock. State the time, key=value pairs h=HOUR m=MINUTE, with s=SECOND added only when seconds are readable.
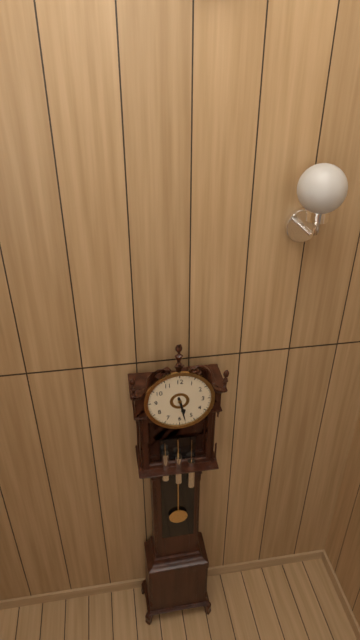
h=5 m=28
